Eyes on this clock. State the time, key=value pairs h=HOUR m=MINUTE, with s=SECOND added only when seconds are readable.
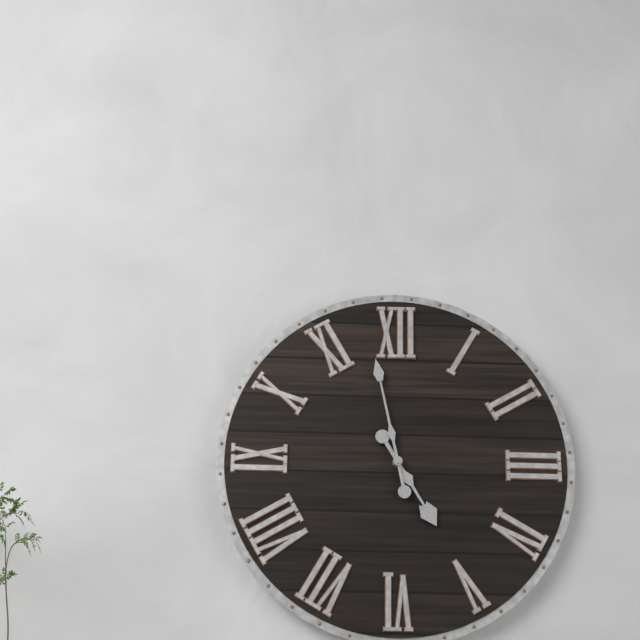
h=4 m=58
